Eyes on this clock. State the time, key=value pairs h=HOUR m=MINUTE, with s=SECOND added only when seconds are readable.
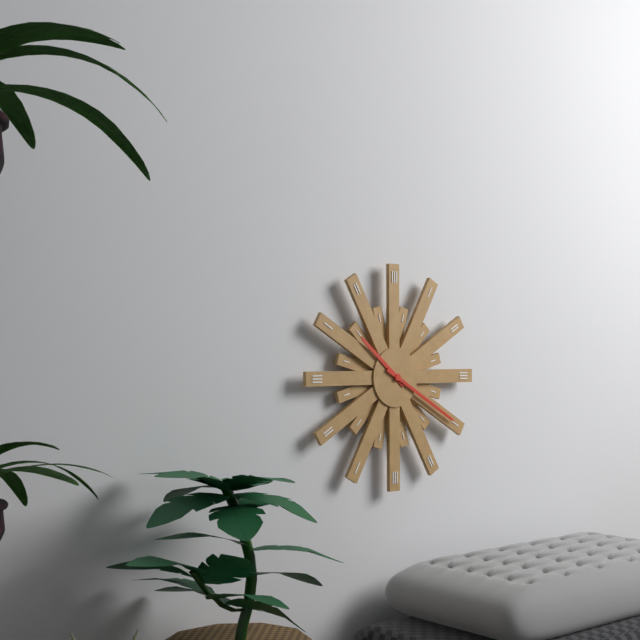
h=10 m=20
